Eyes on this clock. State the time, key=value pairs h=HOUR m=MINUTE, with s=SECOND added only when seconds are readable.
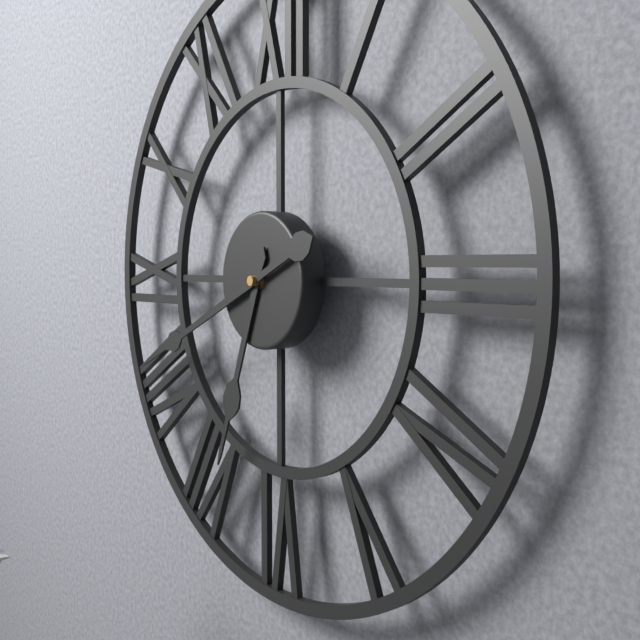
h=6 m=41
